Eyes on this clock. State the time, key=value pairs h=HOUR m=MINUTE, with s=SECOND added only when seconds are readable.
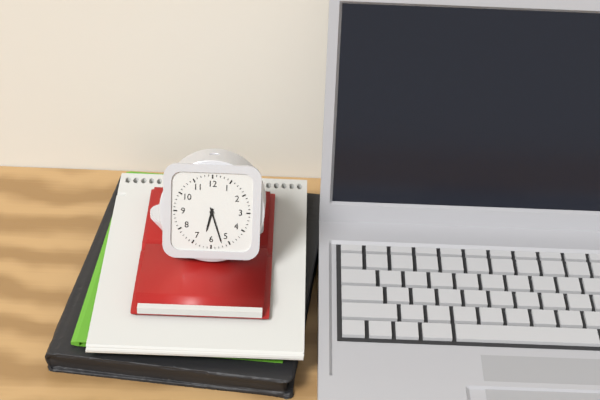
h=6 m=27
